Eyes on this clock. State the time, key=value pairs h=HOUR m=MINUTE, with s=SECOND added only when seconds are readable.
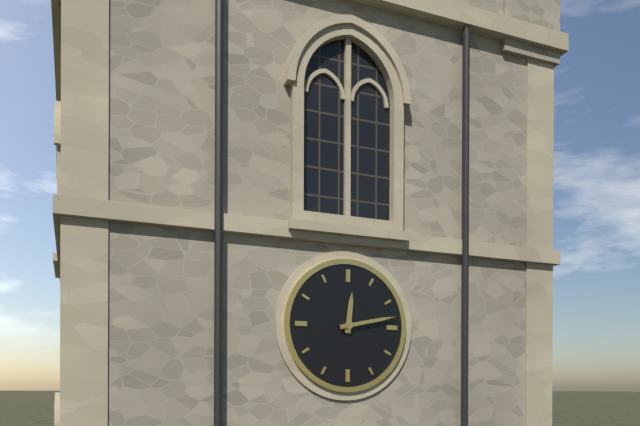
h=12 m=13
